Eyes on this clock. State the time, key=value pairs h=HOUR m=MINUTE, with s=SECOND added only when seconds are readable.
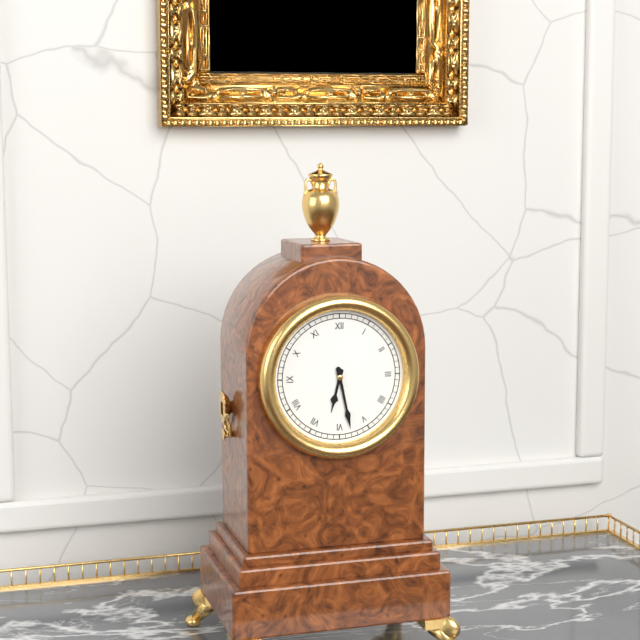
h=6 m=28
